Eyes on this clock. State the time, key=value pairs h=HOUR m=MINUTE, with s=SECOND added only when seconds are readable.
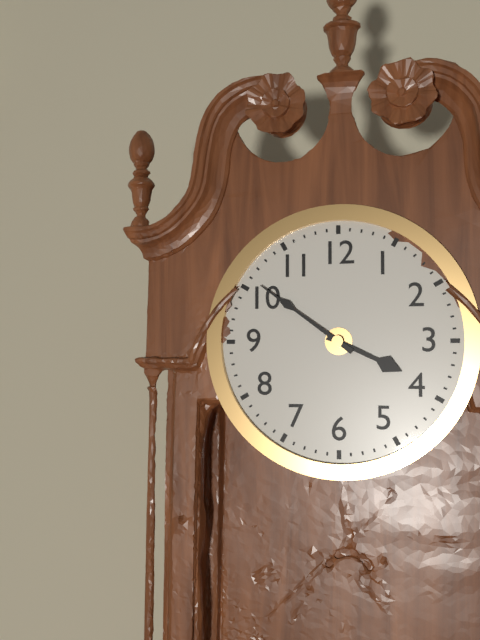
h=3 m=51
